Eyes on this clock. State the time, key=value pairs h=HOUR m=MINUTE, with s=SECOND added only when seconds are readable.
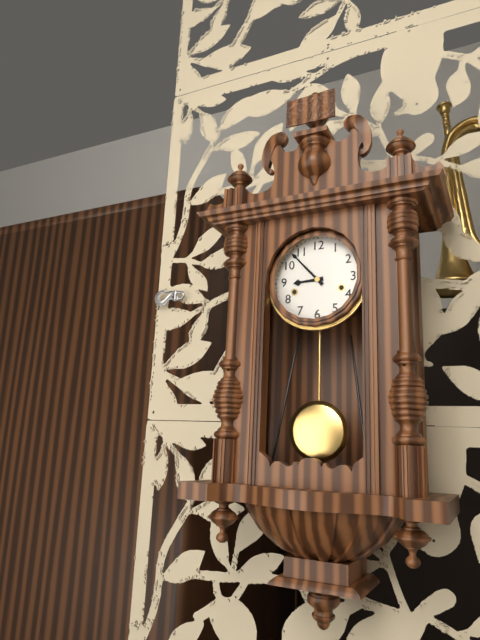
h=8 m=53
